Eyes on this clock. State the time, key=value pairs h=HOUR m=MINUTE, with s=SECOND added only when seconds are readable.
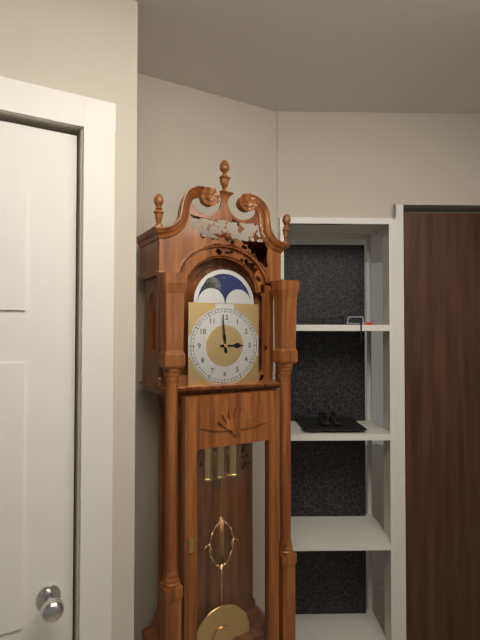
h=2 m=59
